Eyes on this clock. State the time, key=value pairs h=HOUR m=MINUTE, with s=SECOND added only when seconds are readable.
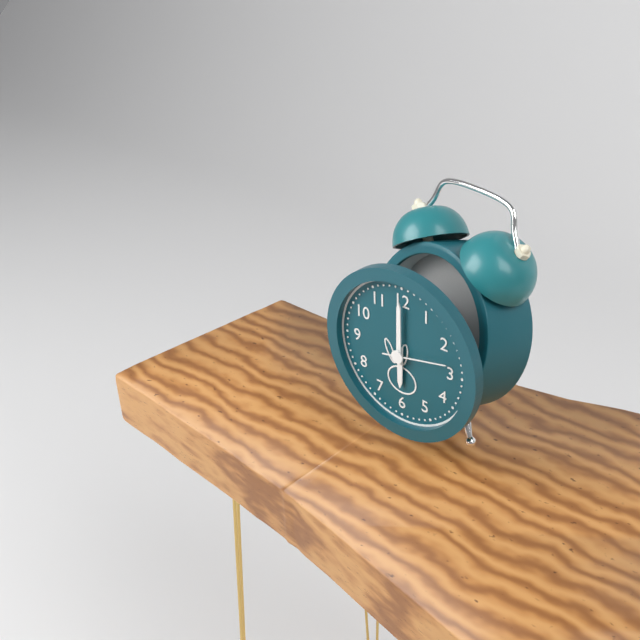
h=6 m=0 s=13
